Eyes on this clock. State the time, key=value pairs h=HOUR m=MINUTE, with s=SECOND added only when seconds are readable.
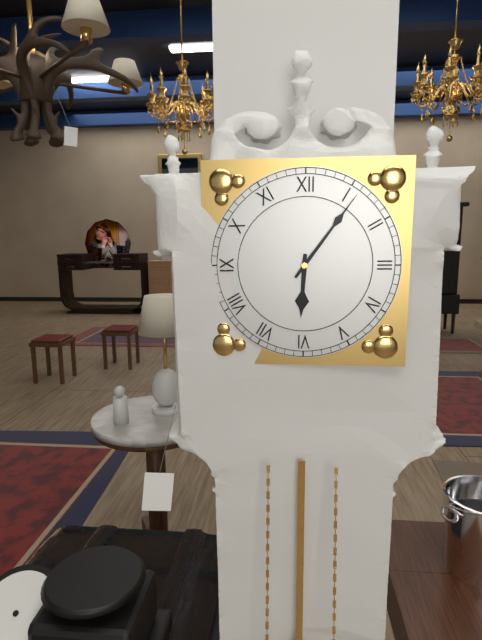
h=6 m=6
